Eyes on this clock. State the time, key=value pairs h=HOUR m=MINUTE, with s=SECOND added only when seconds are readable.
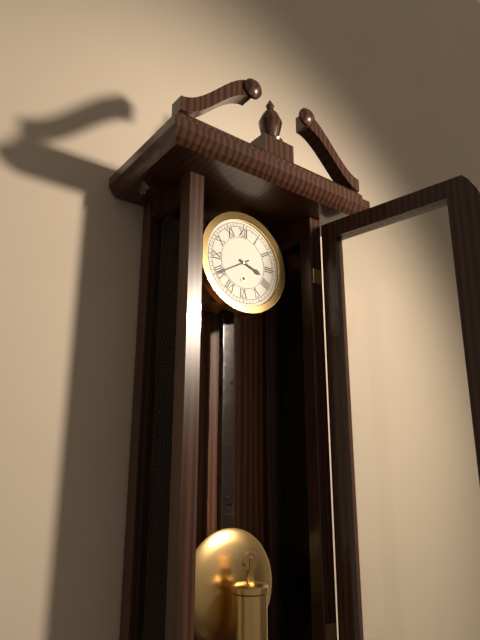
h=3 m=40
